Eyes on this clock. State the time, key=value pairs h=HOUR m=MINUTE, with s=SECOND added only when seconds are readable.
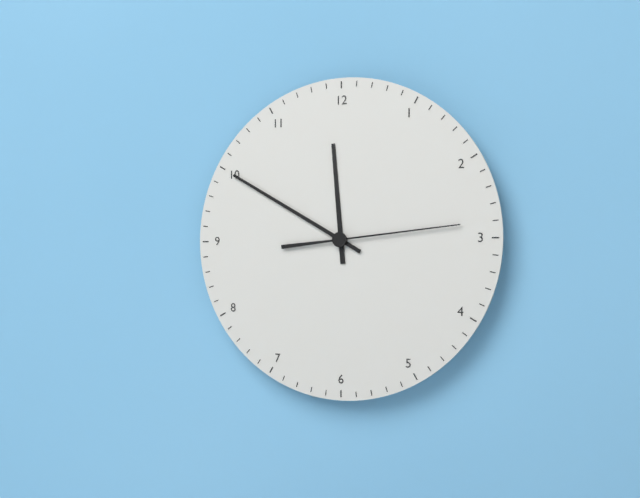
h=11 m=50 s=14
